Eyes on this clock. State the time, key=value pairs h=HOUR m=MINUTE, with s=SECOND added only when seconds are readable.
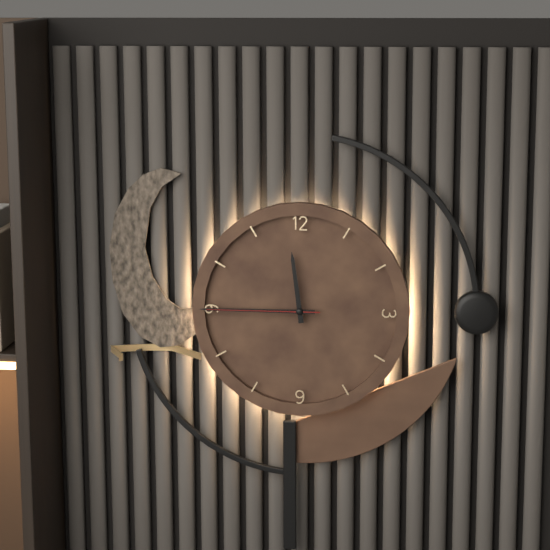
h=11 m=45 s=45
